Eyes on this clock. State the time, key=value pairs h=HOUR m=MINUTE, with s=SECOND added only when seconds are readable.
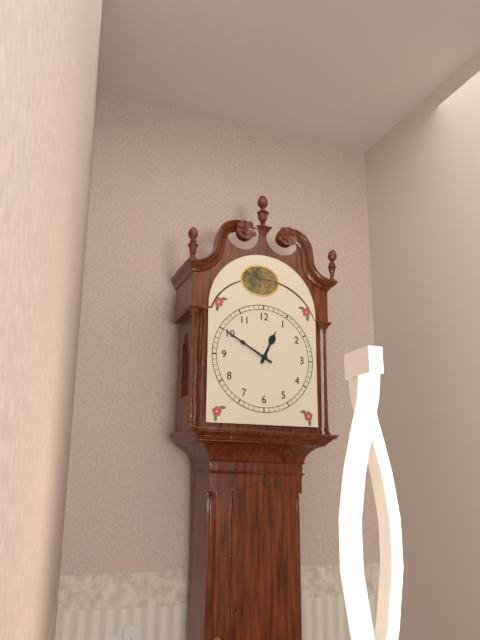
h=12 m=50
